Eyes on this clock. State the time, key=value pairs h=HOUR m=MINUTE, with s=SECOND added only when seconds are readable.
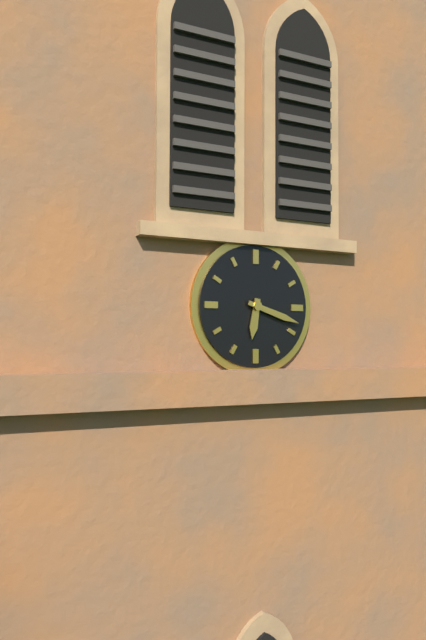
h=6 m=18
